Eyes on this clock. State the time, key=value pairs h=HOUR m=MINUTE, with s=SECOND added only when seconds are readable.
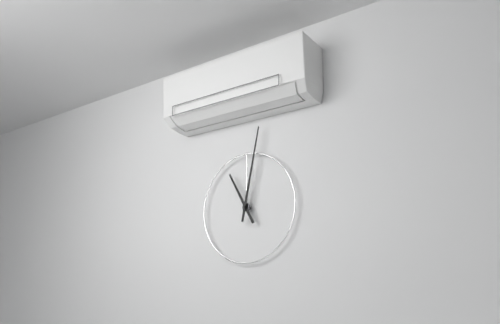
h=11 m=2
